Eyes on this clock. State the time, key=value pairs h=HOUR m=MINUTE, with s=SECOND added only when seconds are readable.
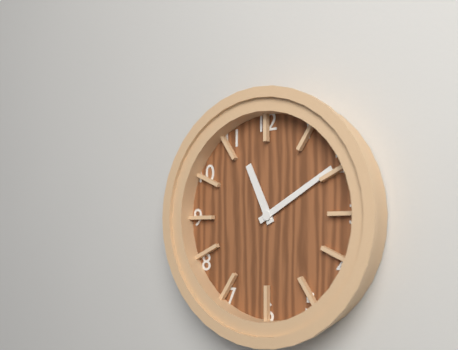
h=11 m=10
